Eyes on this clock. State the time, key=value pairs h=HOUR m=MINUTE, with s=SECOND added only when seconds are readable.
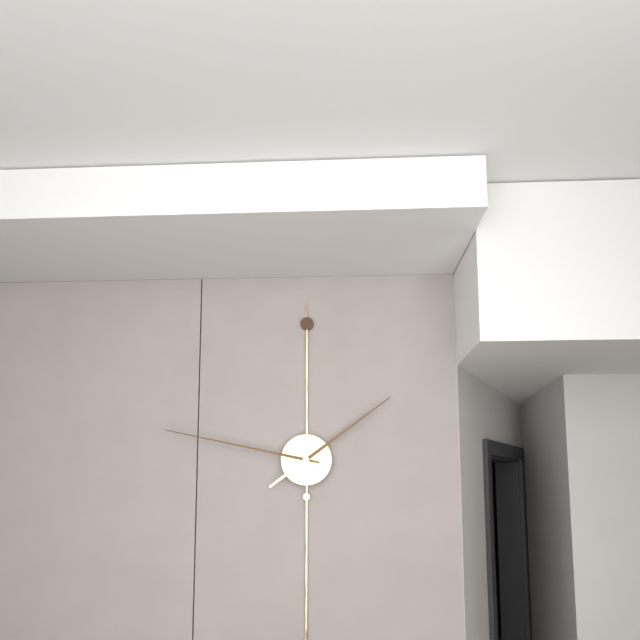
h=1 m=47
